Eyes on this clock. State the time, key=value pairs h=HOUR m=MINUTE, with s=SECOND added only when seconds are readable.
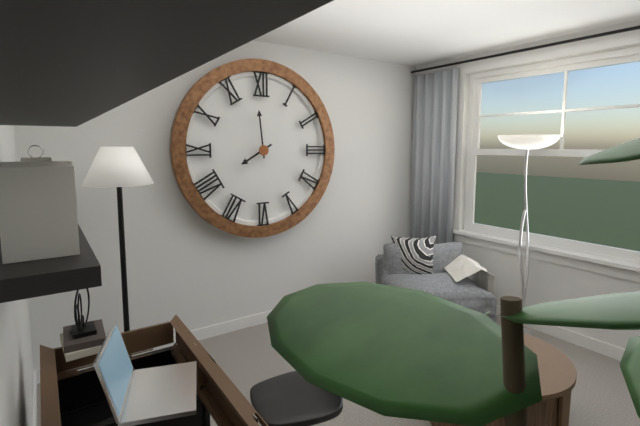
h=7 m=59
